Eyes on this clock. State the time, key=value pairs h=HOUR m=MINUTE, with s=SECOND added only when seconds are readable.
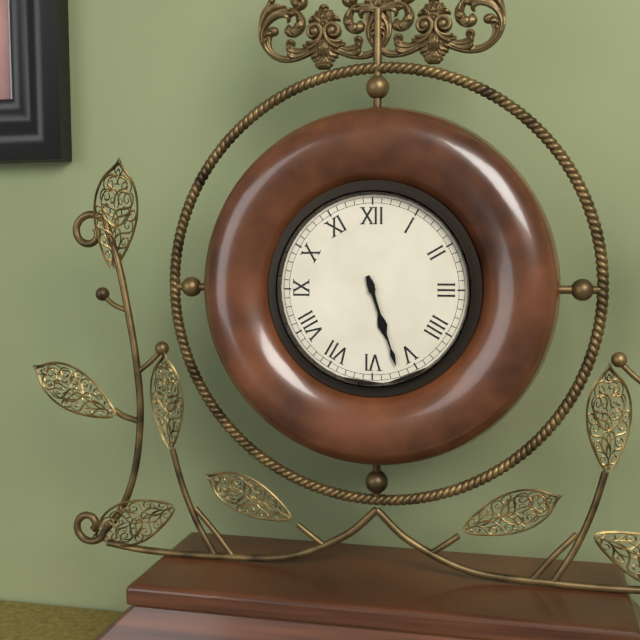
h=5 m=27
